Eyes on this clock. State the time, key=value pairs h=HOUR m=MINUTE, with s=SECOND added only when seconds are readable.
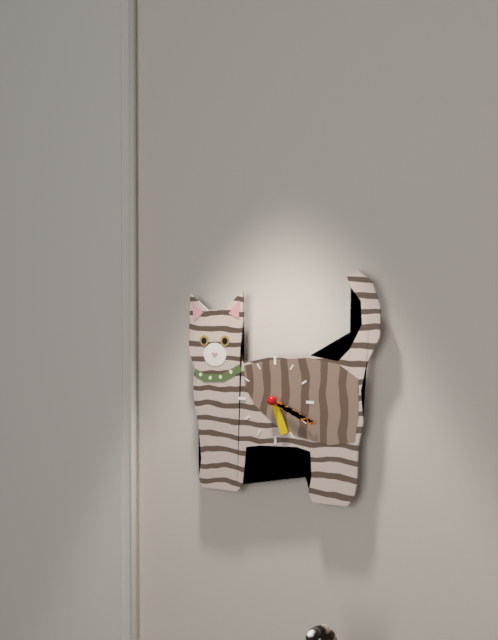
h=5 m=19
